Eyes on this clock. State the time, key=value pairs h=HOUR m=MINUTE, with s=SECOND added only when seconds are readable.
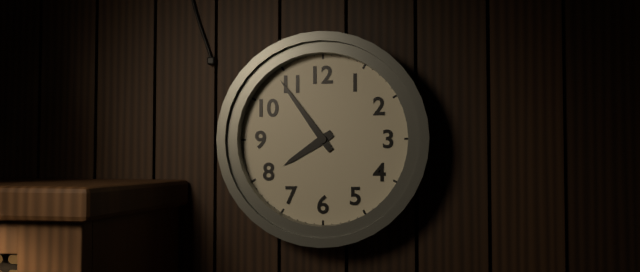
h=7 m=54
